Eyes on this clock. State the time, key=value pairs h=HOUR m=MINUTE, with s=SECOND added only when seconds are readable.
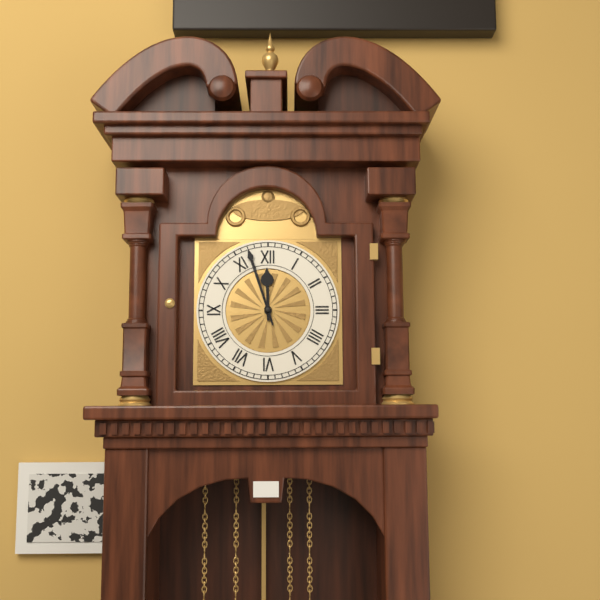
h=11 m=57
